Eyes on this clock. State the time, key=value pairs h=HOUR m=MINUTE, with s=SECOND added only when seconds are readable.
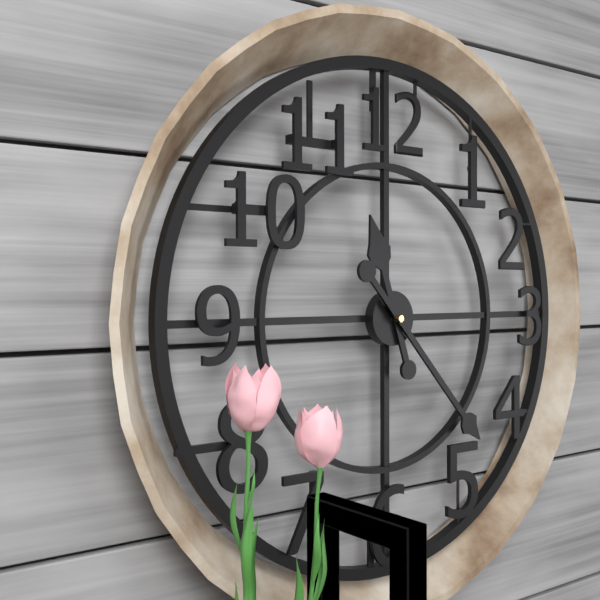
h=11 m=23
